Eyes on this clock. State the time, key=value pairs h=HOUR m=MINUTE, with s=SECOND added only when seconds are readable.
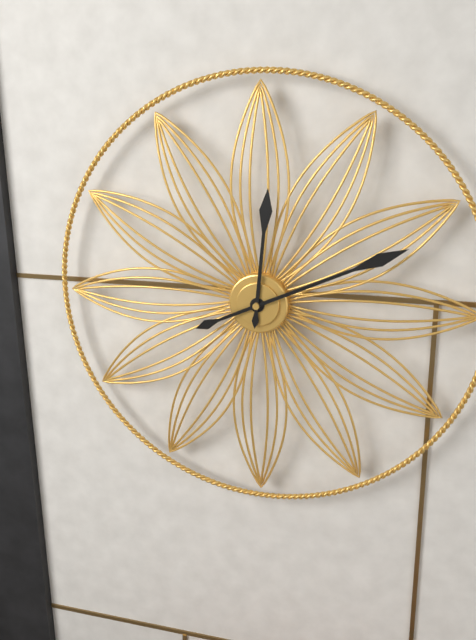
h=12 m=11
